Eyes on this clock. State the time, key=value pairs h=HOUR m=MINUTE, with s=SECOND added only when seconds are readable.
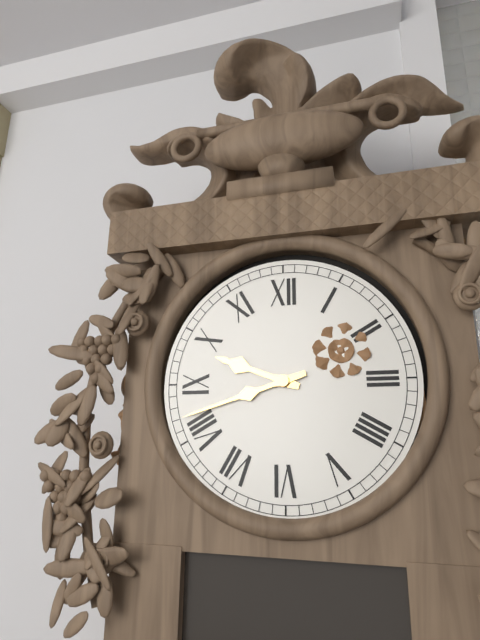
h=9 m=42
